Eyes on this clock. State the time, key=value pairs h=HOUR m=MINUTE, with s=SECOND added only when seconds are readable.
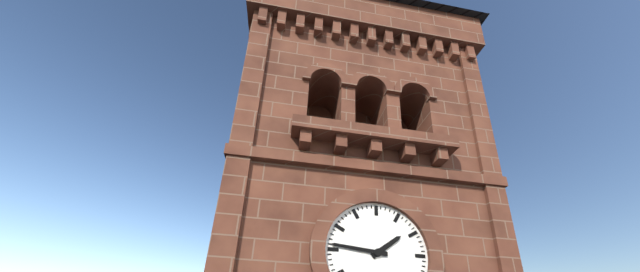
h=1 m=46
